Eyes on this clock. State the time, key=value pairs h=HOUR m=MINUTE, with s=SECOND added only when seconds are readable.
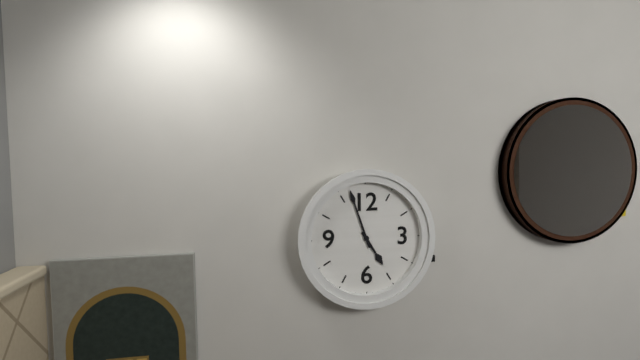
h=4 m=57
